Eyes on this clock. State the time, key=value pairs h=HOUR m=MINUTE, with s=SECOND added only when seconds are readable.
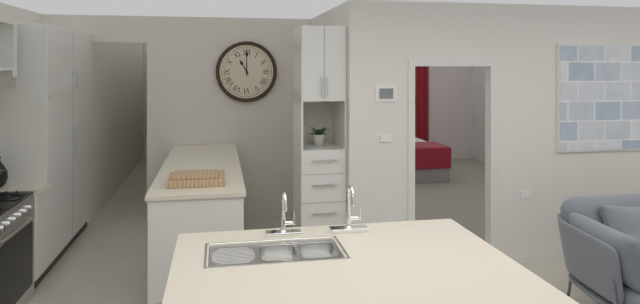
h=11 m=0
